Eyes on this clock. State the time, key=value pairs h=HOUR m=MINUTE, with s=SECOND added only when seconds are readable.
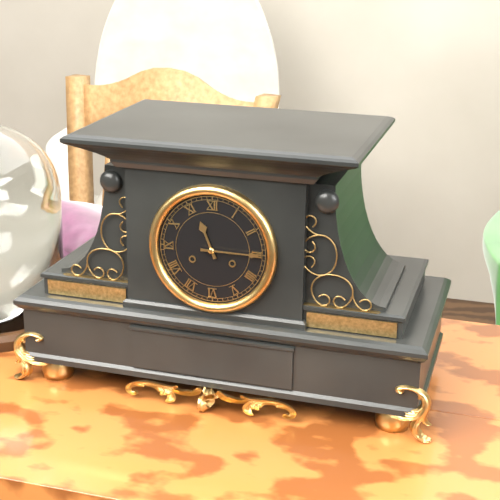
h=11 m=15
